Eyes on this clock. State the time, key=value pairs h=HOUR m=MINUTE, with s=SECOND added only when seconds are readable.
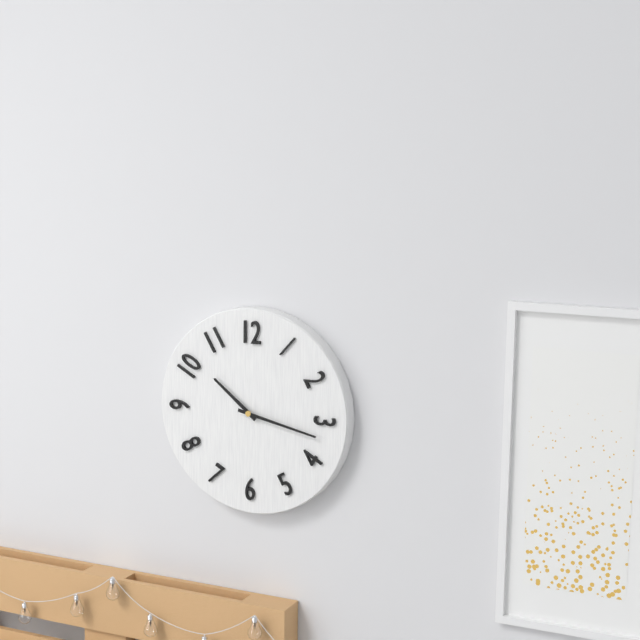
h=10 m=17
